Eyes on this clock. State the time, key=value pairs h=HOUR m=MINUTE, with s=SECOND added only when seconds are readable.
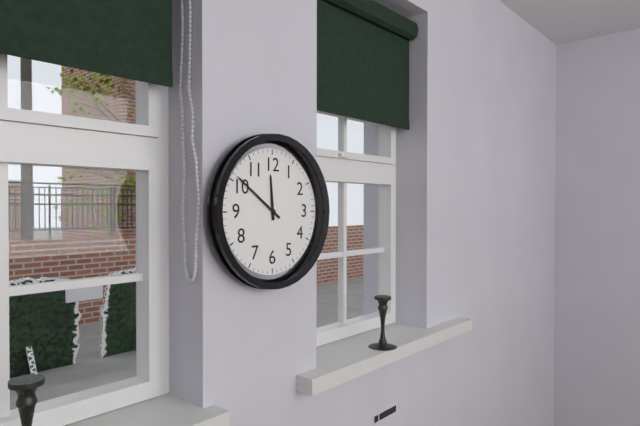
h=11 m=51
